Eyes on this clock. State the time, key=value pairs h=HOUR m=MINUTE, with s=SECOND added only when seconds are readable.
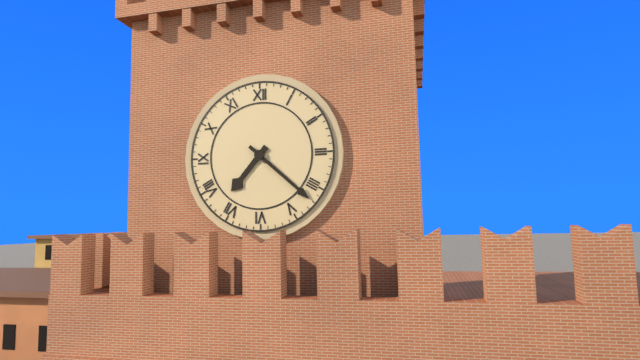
h=7 m=22
